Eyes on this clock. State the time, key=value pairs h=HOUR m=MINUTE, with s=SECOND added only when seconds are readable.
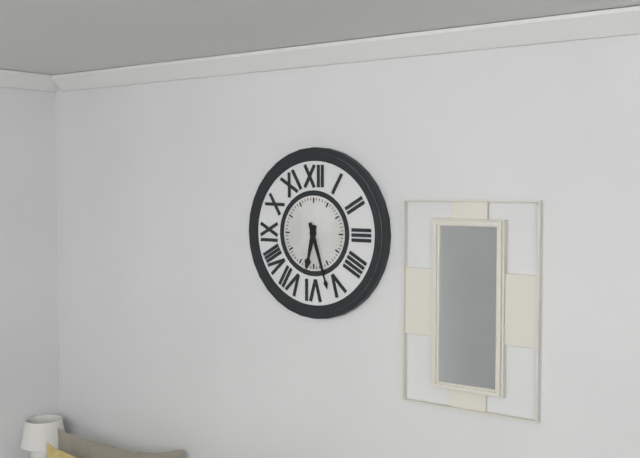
h=6 m=27
